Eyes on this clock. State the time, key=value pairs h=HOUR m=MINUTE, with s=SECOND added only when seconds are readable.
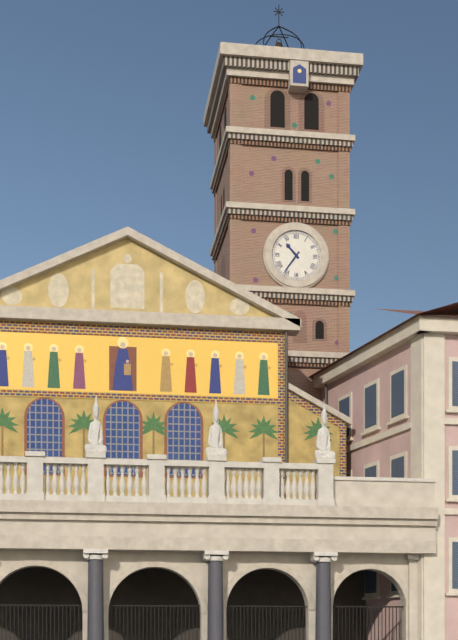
h=10 m=36
